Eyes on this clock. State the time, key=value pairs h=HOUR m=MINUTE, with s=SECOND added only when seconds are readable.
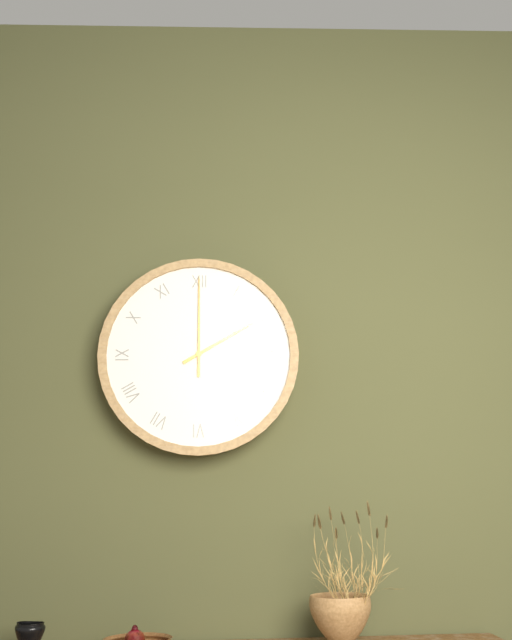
h=2 m=0
